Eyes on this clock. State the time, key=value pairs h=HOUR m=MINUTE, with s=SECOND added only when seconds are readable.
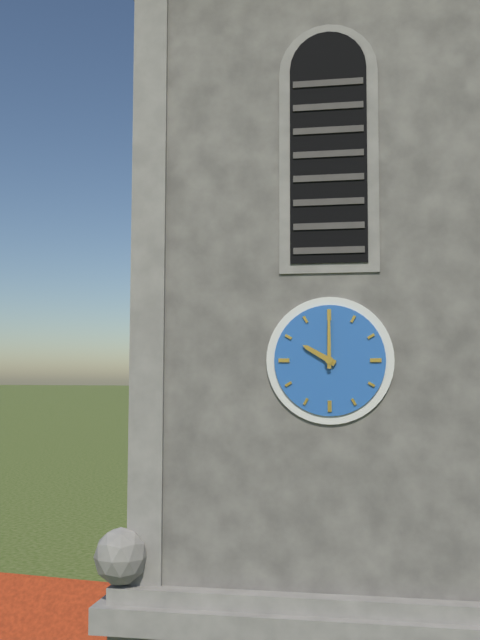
h=10 m=0
